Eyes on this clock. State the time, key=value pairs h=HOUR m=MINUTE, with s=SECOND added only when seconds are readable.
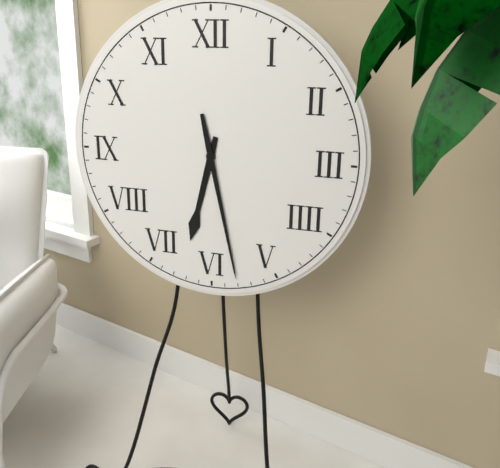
h=6 m=28
